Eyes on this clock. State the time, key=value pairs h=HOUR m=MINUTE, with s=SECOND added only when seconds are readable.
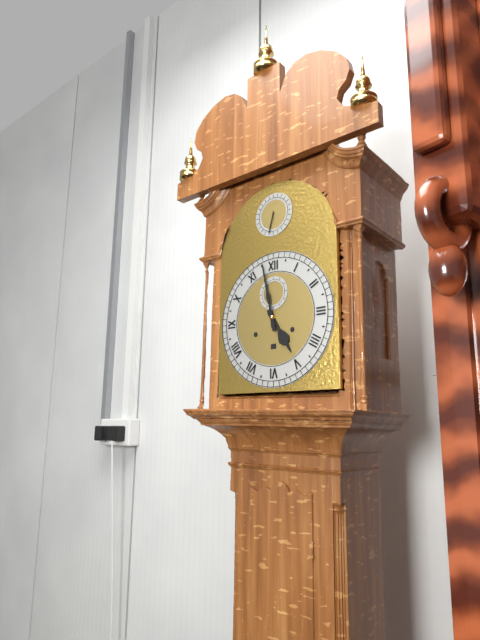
h=4 m=58
